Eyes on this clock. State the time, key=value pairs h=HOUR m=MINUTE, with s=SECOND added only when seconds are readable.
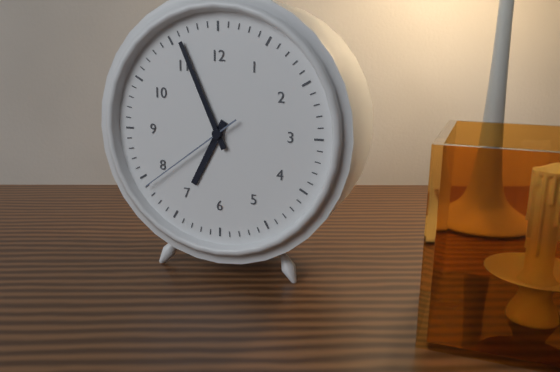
h=6 m=56 s=39
